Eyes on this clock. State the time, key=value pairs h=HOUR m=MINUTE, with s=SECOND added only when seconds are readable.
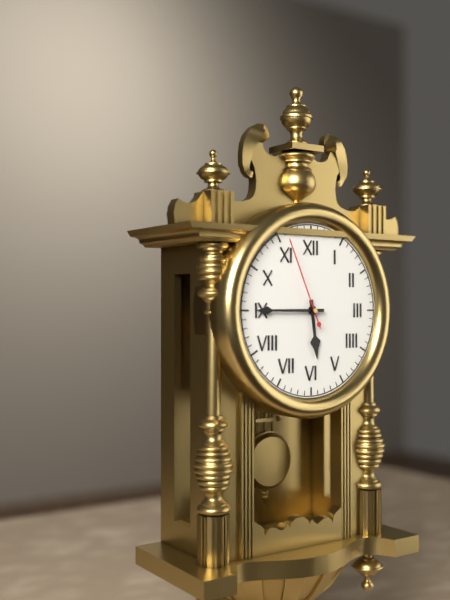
h=5 m=45 s=56
